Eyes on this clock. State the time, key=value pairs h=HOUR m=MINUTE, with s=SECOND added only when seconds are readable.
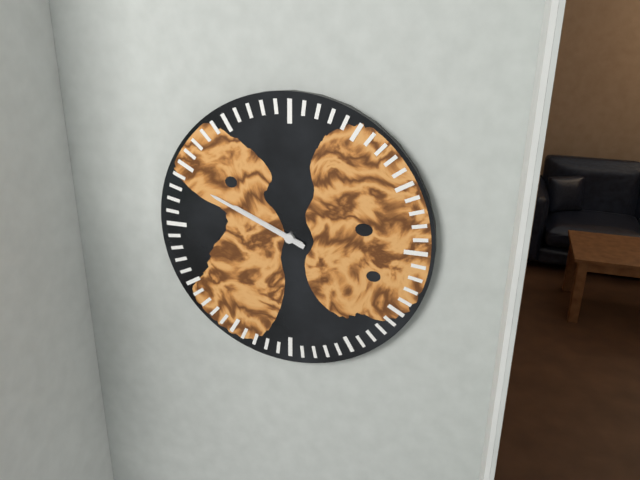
h=9 m=49
